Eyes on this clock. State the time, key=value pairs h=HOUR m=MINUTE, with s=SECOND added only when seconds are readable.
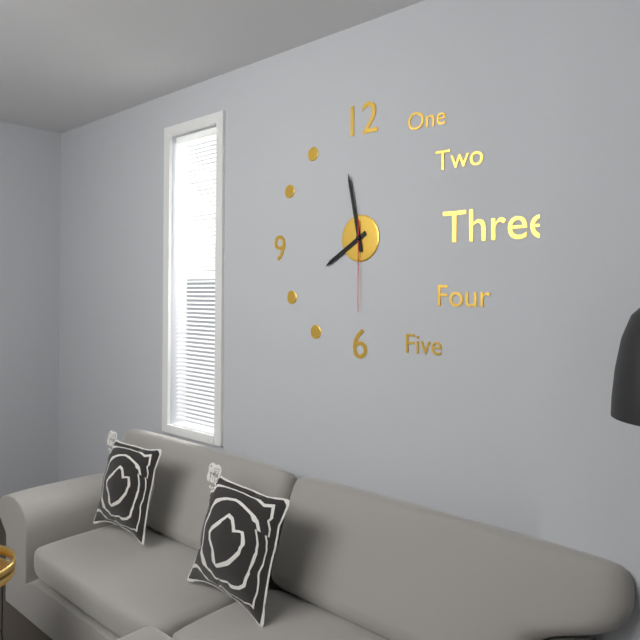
h=7 m=58 s=30
